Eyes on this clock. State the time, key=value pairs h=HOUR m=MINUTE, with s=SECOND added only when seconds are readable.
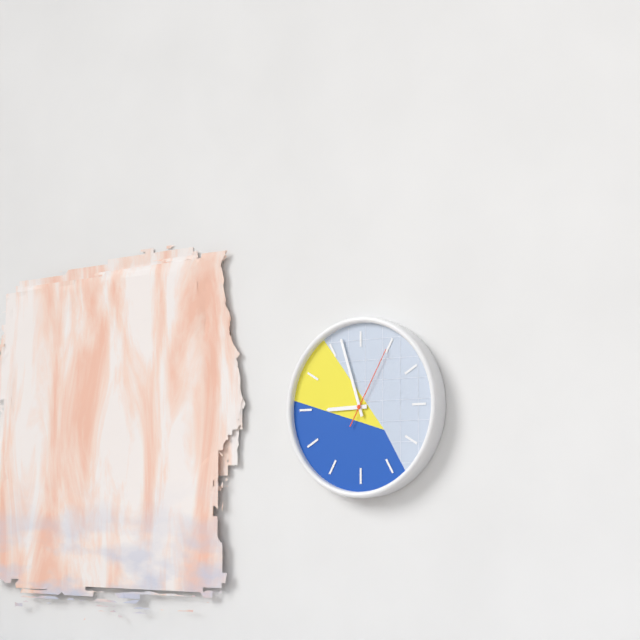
h=8 m=57 s=5
